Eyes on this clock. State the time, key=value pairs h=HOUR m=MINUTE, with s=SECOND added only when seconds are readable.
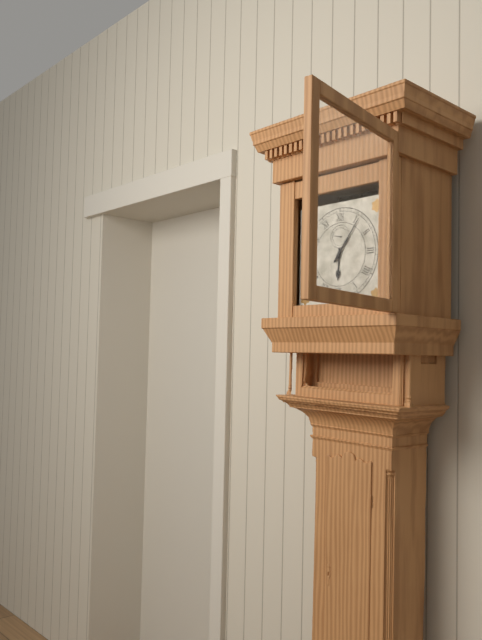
h=6 m=6
